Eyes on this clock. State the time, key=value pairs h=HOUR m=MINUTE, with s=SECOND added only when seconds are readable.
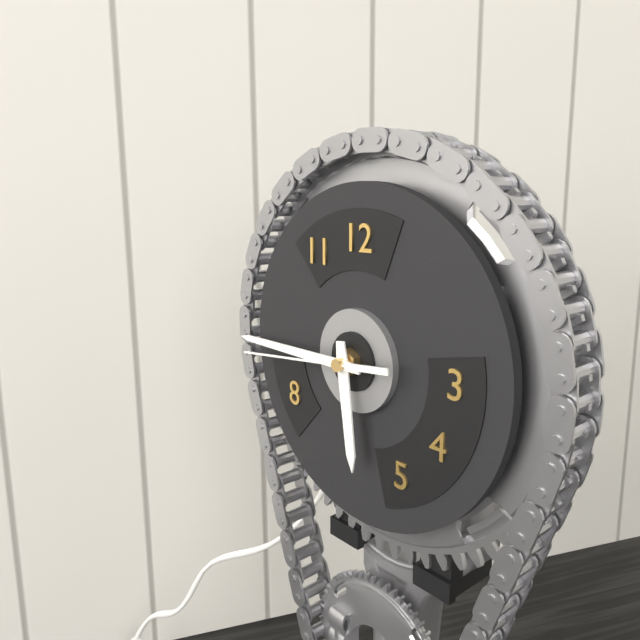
h=5 m=45 s=44
